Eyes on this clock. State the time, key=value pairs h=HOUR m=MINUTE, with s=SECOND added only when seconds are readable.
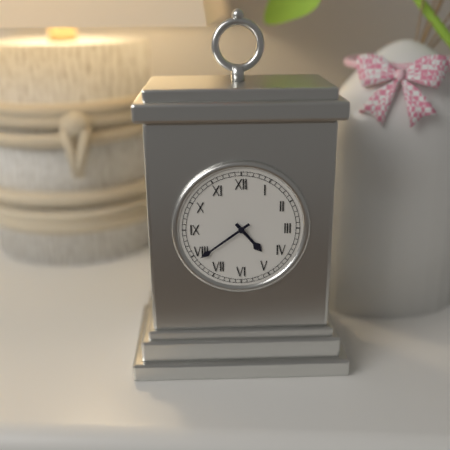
h=4 m=39
